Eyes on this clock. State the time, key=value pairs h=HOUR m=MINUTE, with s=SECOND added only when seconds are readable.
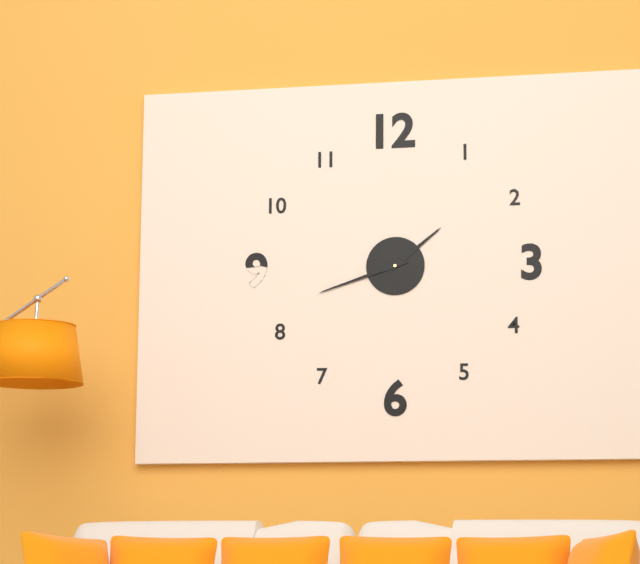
h=1 m=42
